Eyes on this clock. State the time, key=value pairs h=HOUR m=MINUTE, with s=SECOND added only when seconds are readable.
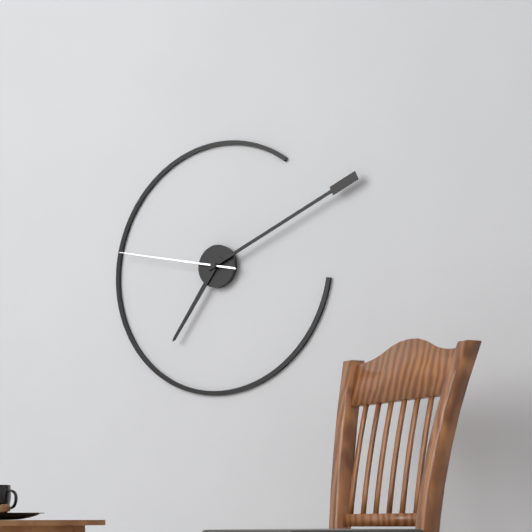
h=7 m=11 s=47
